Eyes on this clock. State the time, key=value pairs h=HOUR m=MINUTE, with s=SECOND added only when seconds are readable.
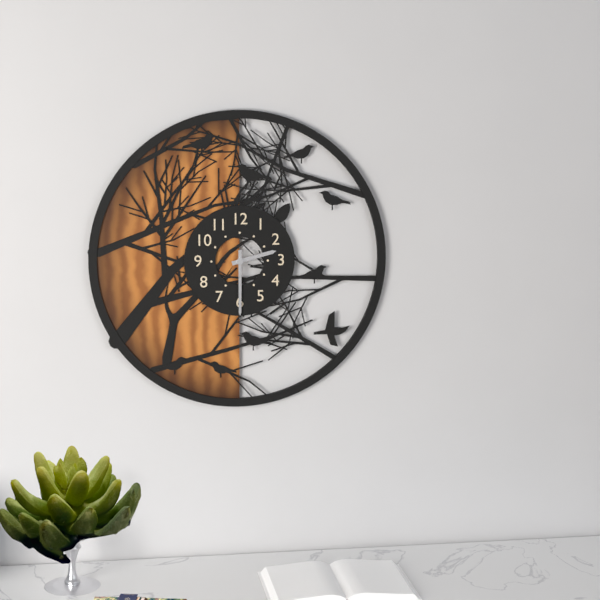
h=2 m=30
